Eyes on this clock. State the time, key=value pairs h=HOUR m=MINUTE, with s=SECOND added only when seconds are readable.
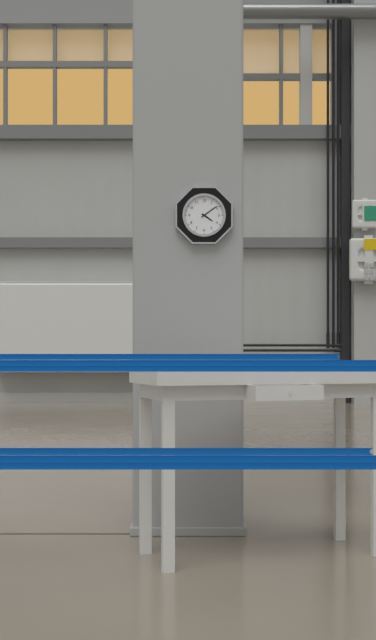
h=4 m=9
